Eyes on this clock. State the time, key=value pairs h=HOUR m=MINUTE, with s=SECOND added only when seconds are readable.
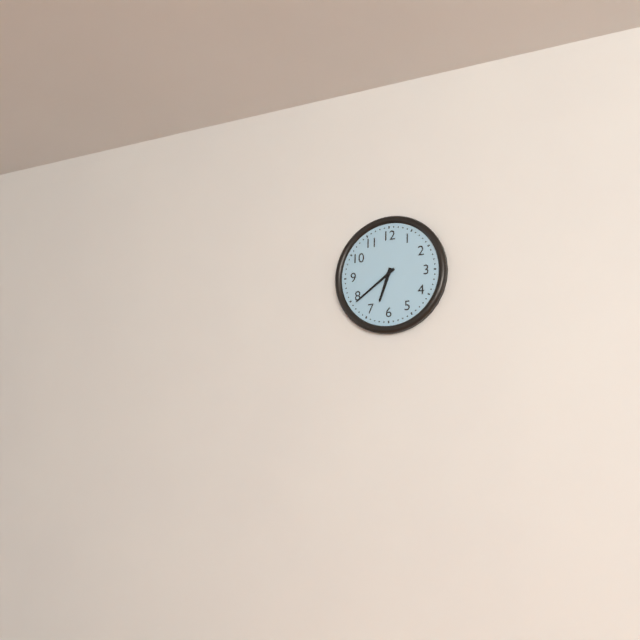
h=6 m=39
